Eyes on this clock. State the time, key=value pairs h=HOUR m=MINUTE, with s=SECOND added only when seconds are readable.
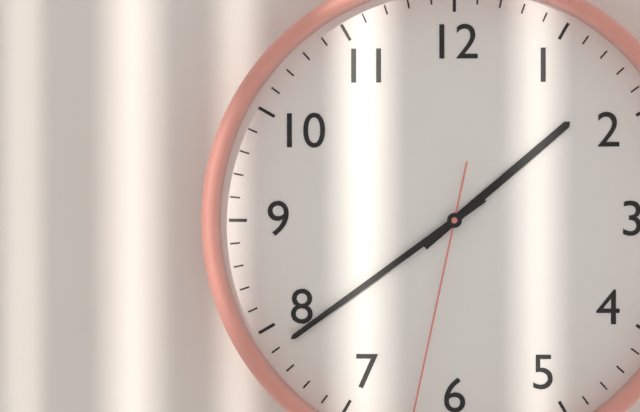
h=1 m=39
